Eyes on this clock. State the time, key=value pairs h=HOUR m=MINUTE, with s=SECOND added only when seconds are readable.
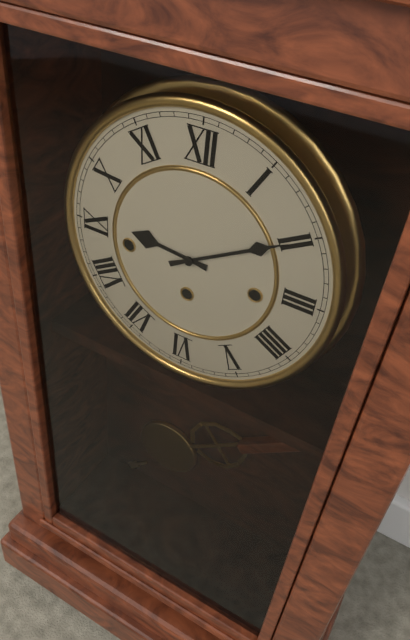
h=9 m=10
